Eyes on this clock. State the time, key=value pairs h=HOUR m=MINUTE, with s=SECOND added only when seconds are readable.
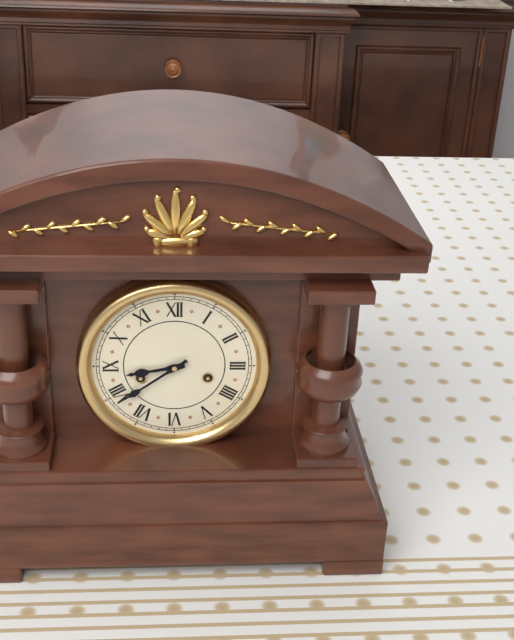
h=8 m=39
